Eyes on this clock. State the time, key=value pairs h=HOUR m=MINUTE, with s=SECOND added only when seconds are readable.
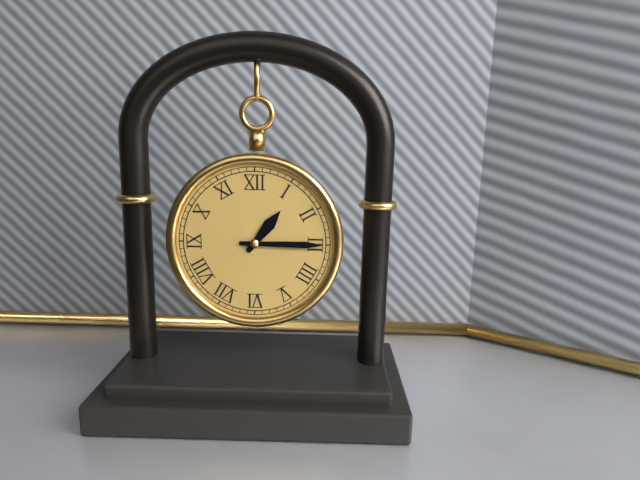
h=1 m=15
